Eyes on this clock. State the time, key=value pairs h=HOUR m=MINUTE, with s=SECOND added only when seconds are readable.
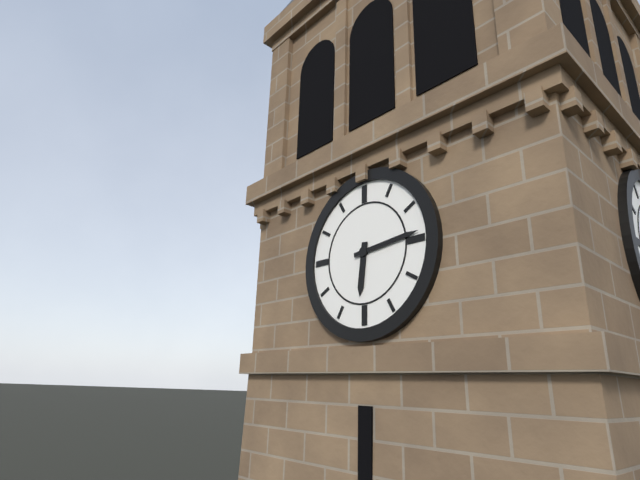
h=6 m=14
